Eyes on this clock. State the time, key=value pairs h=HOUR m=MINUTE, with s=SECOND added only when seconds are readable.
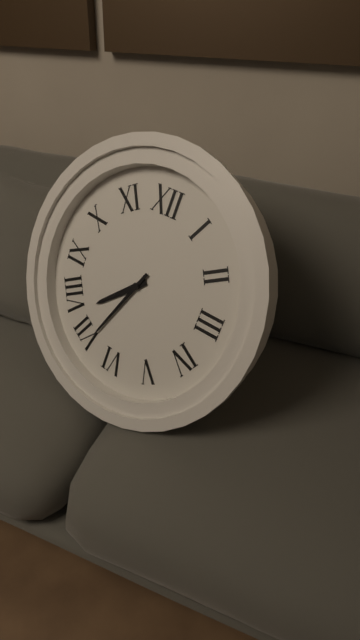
h=7 m=34
